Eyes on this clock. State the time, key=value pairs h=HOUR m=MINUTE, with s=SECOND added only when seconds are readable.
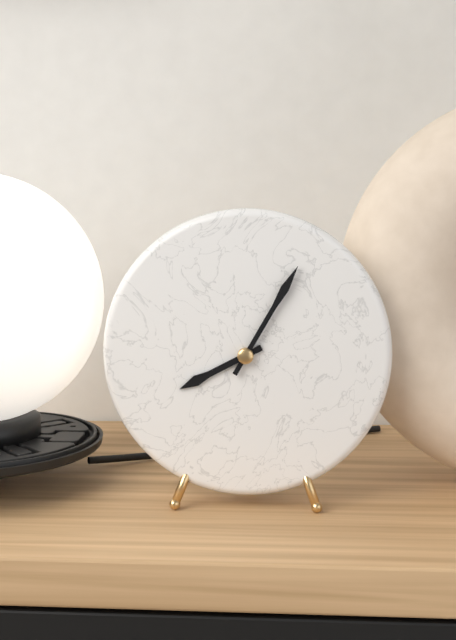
h=8 m=5
